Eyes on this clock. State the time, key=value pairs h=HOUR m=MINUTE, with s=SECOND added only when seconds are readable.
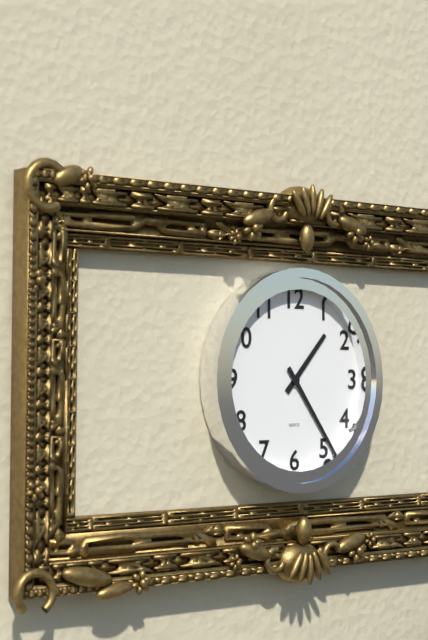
h=1 m=24
